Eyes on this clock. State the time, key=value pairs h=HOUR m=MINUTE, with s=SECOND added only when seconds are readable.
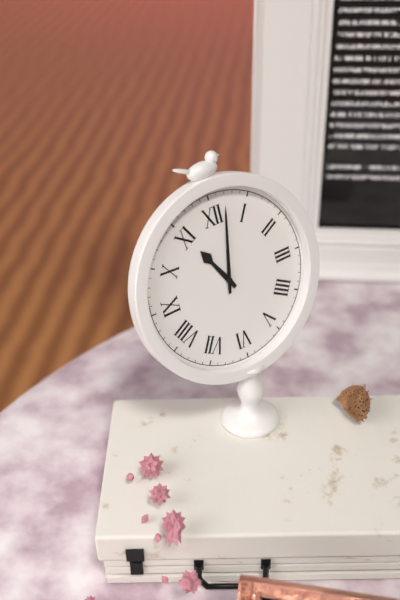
h=11 m=2
